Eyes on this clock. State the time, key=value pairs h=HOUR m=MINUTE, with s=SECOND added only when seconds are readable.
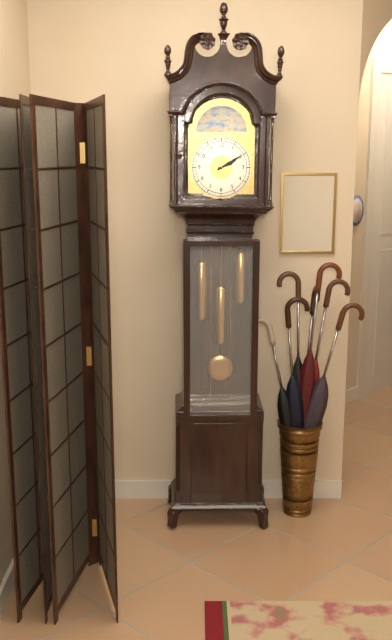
h=2 m=10
